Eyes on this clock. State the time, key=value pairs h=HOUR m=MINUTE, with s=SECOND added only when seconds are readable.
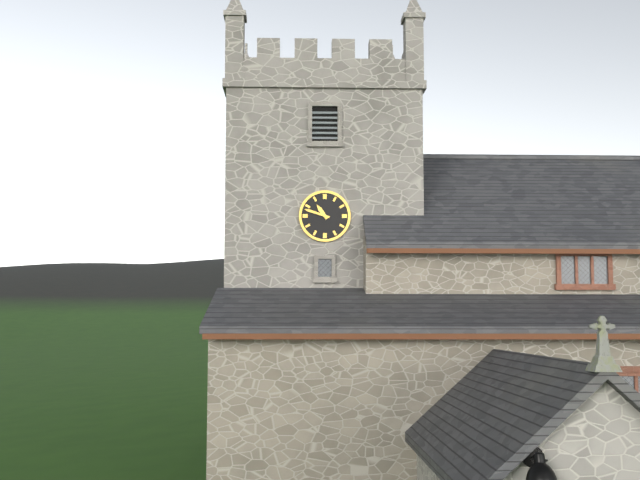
h=10 m=48
